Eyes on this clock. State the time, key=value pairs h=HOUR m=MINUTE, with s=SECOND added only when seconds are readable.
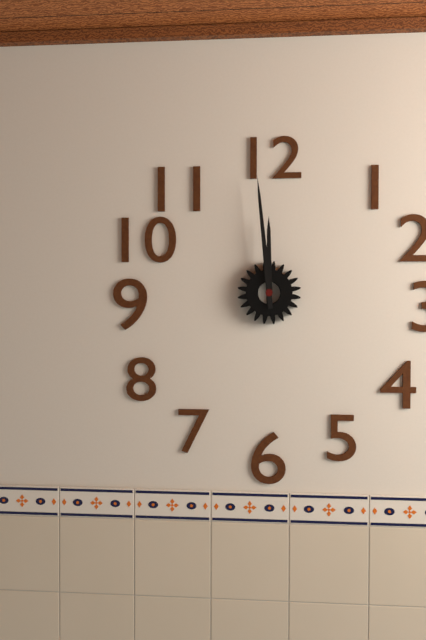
h=11 m=59
